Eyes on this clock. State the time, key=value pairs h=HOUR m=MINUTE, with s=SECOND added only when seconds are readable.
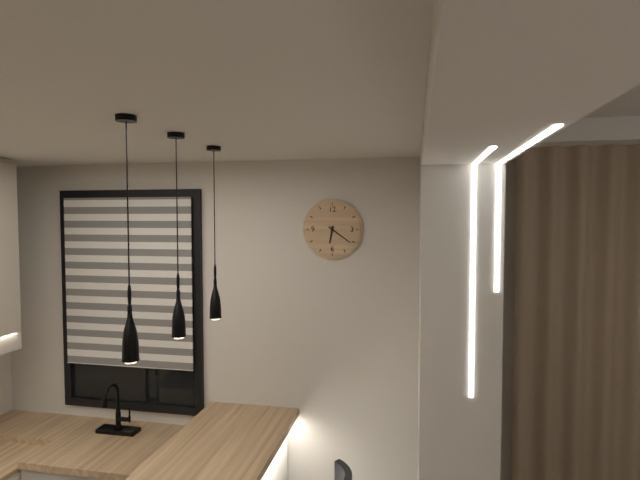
h=6 m=21
